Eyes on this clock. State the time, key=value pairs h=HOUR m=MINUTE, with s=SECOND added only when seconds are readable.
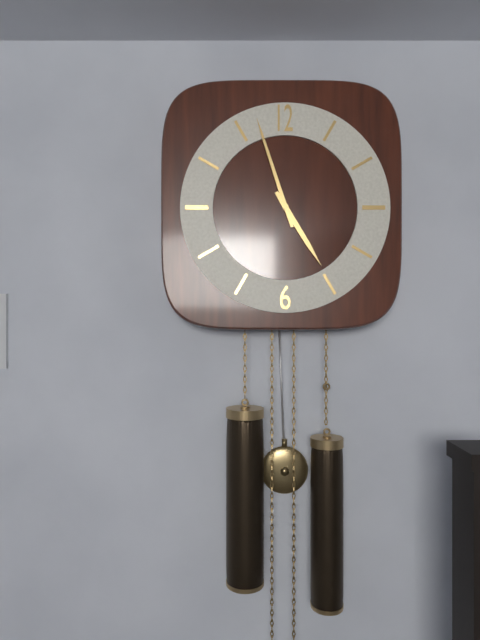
h=4 m=57
